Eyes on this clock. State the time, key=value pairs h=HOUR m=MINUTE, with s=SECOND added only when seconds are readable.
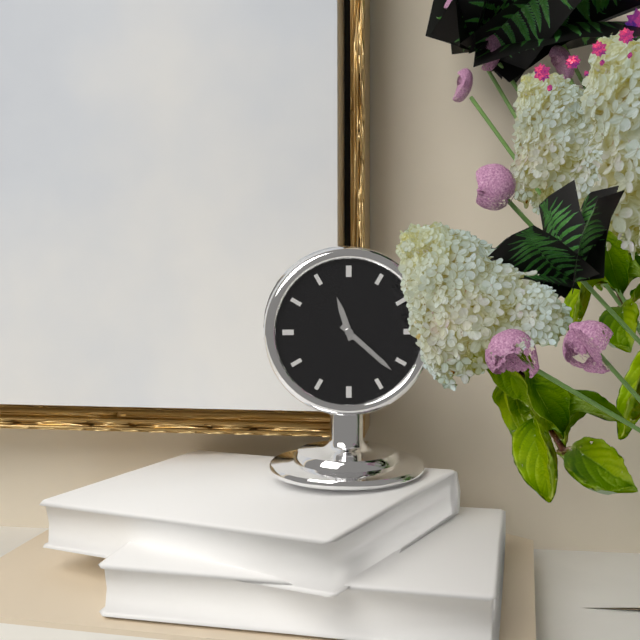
h=11 m=22
